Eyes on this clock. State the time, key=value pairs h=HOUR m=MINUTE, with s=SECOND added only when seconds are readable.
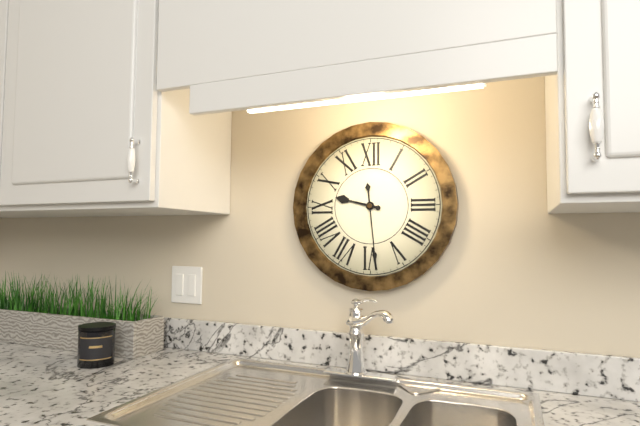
h=9 m=29
